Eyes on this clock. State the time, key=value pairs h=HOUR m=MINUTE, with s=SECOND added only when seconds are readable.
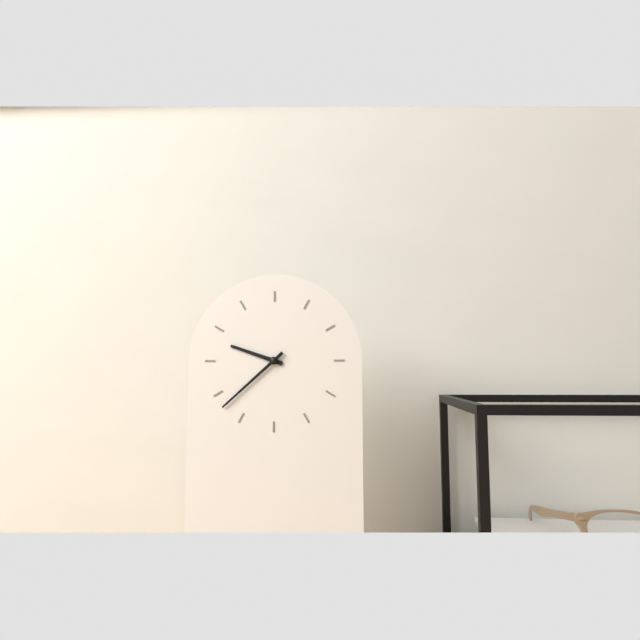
h=9 m=38
